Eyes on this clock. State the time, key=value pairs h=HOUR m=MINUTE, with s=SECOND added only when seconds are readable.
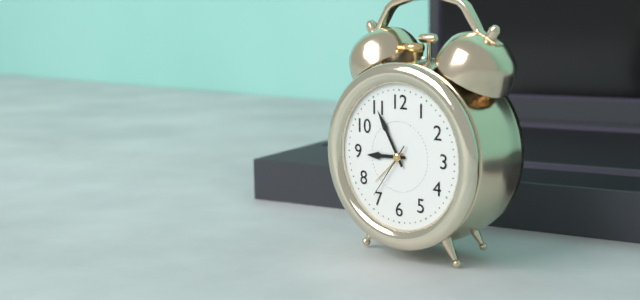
h=8 m=55 s=36
